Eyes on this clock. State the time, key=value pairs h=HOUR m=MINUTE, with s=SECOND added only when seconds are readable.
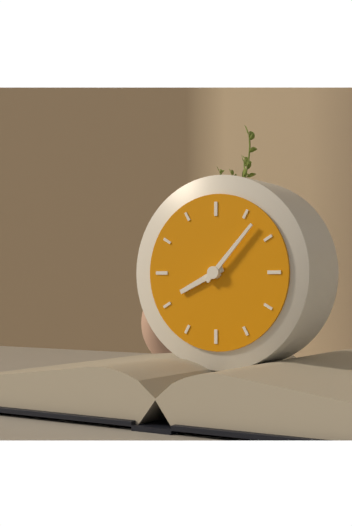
h=8 m=7
